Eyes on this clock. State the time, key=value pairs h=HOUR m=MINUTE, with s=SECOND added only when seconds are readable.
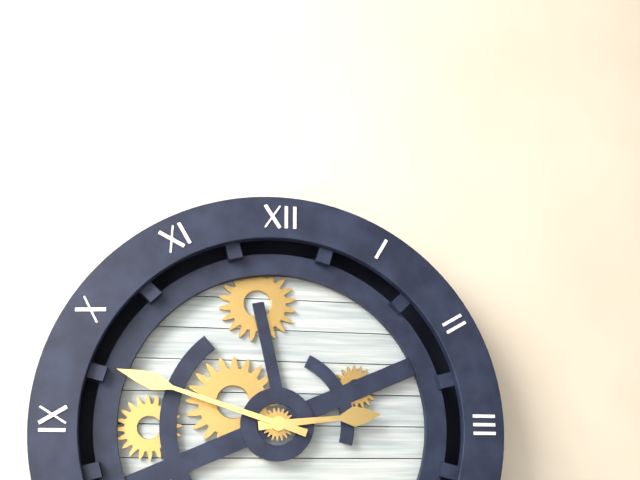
h=2 m=48
